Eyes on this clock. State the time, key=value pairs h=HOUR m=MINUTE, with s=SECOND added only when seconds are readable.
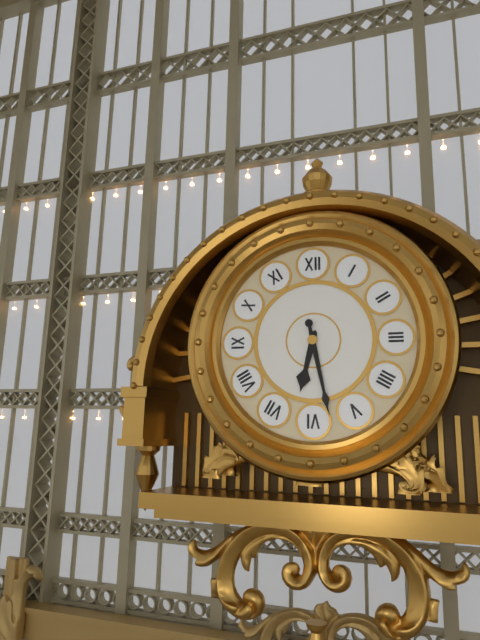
h=6 m=28
